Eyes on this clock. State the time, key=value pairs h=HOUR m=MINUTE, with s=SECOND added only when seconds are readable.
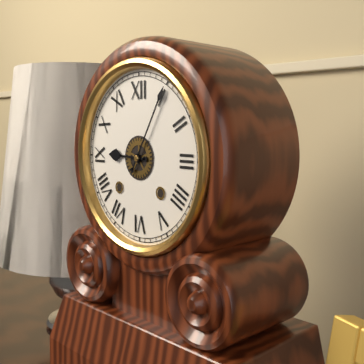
h=9 m=5
